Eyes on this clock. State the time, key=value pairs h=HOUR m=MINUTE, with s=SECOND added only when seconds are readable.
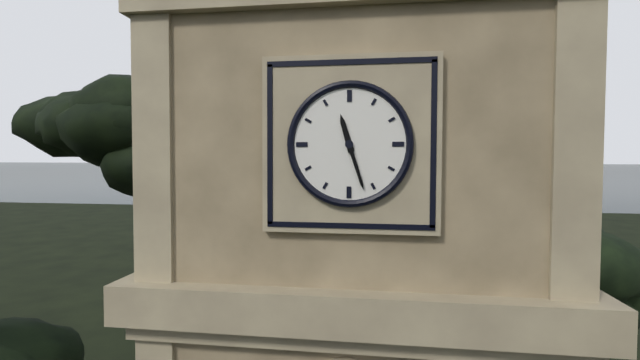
h=11 m=27
